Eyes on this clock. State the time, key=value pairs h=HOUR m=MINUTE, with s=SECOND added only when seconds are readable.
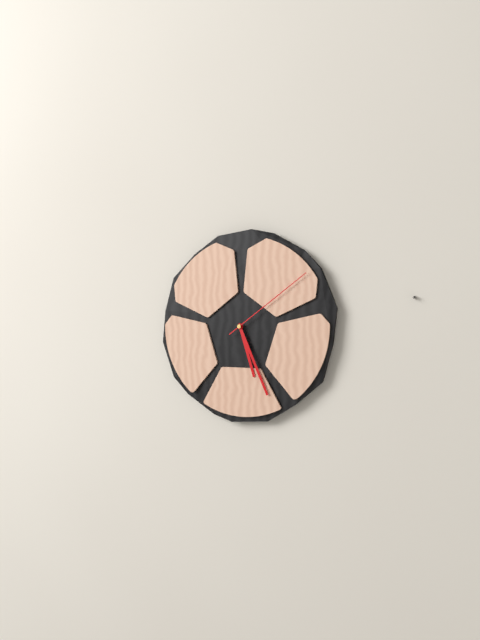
h=5 m=26 s=9
